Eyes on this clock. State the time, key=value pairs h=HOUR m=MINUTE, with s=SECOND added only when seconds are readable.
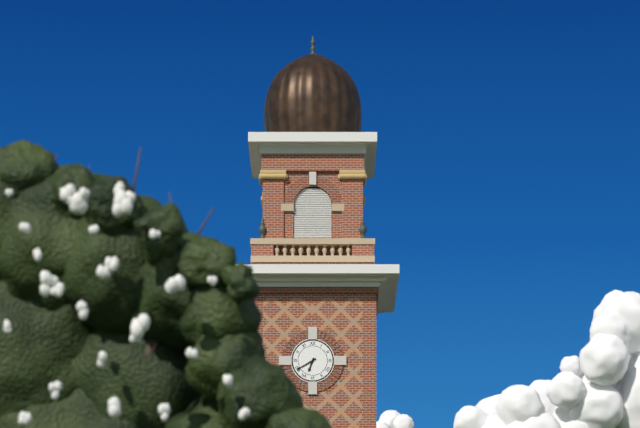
h=6 m=40
